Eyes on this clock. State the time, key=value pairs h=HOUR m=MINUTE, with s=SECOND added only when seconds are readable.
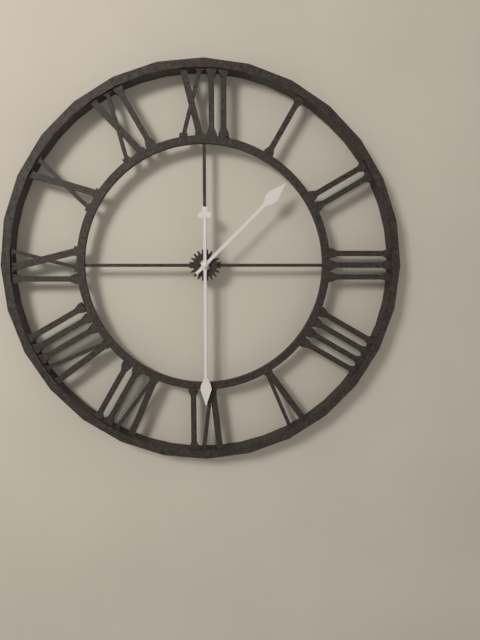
h=1 m=30
